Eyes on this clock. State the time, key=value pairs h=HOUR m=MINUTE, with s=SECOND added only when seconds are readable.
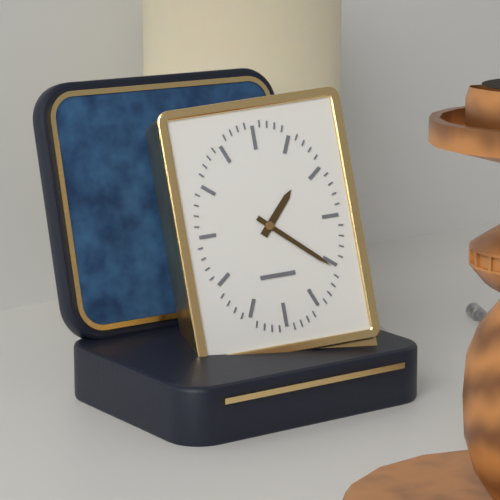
h=1 m=22
